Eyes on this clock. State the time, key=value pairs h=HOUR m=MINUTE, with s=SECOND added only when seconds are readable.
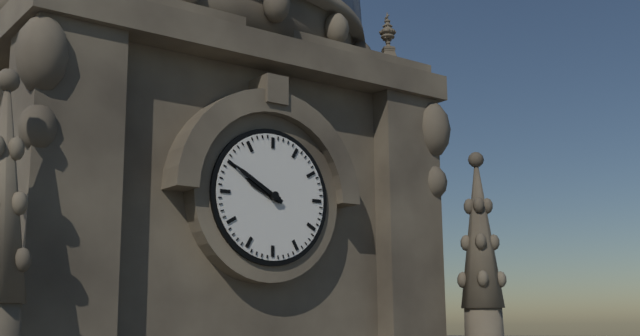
h=9 m=50
